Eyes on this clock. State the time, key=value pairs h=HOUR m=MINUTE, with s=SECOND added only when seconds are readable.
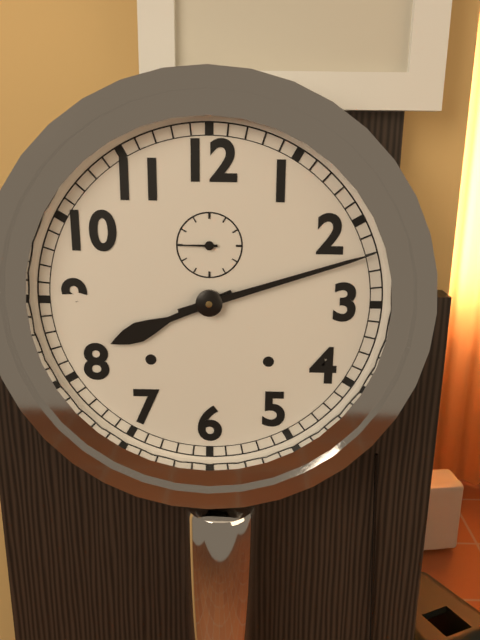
h=8 m=12
